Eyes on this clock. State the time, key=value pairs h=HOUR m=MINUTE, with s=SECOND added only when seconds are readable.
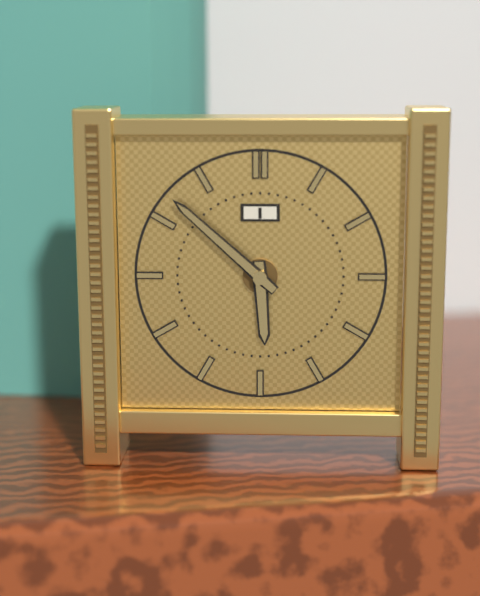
h=5 m=52
